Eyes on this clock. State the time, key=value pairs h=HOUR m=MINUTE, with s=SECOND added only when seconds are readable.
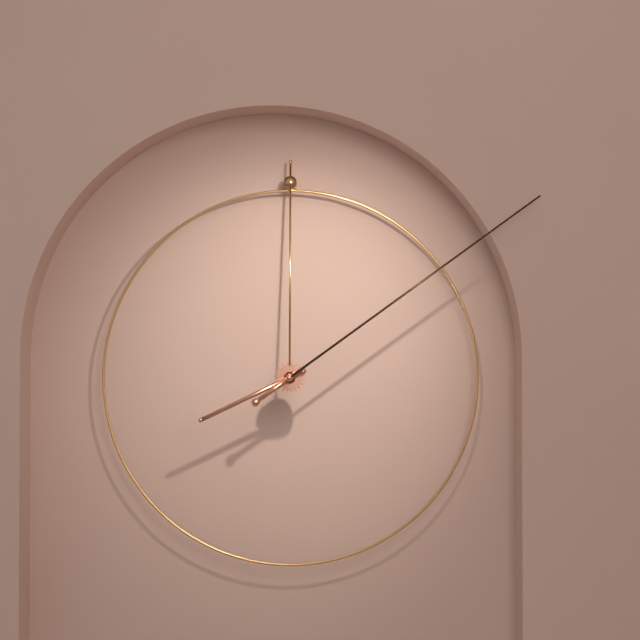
h=8 m=9
